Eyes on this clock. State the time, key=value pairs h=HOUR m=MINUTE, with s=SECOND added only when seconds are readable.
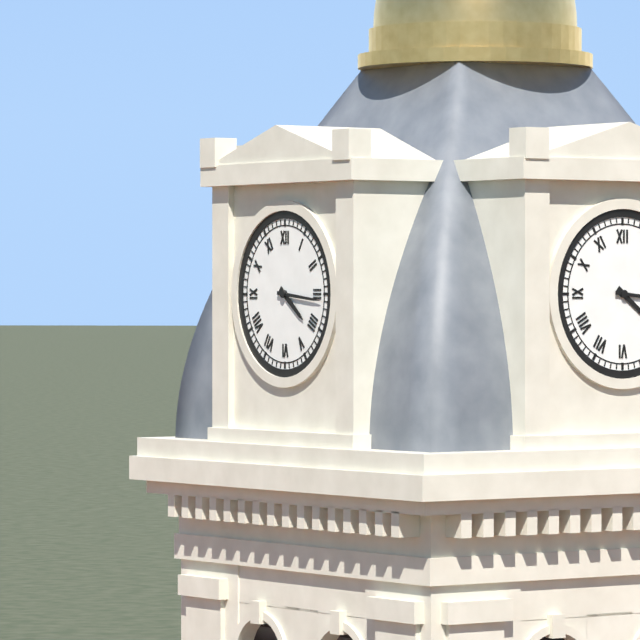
h=4 m=16
